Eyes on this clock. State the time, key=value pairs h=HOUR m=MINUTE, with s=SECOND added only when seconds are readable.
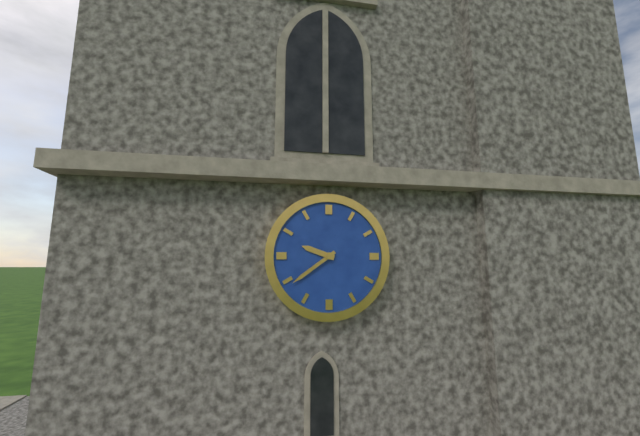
h=9 m=39
